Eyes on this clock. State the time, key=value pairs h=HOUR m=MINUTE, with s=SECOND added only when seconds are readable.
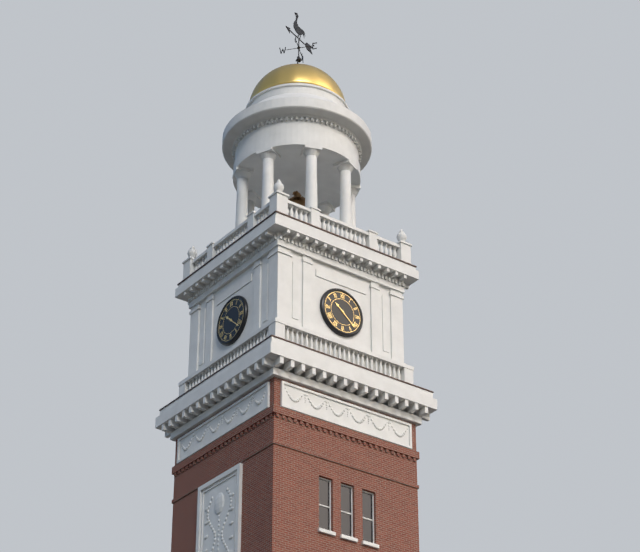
h=10 m=22
